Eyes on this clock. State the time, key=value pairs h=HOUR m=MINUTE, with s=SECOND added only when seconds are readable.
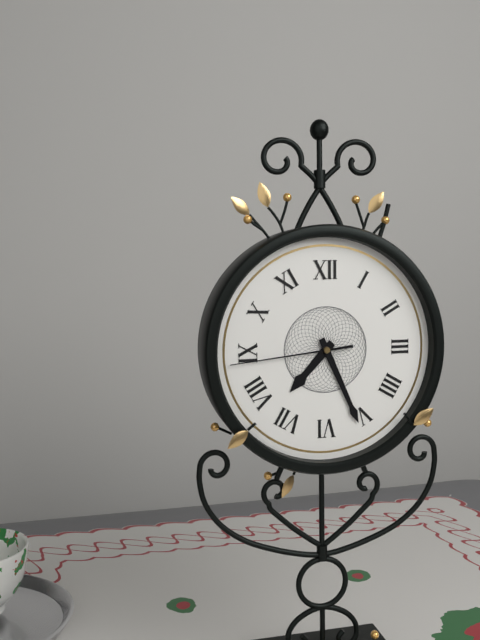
h=7 m=26 s=44
